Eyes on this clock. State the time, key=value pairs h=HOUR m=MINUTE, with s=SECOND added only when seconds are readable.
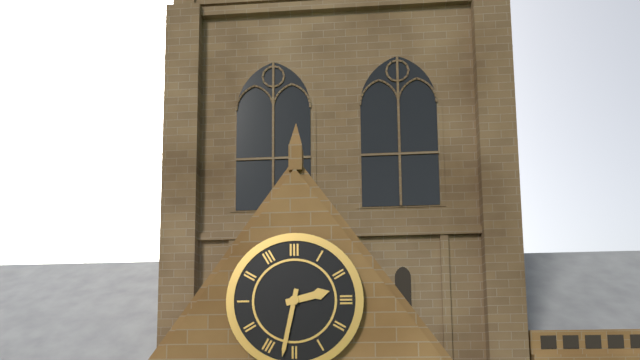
h=2 m=32
